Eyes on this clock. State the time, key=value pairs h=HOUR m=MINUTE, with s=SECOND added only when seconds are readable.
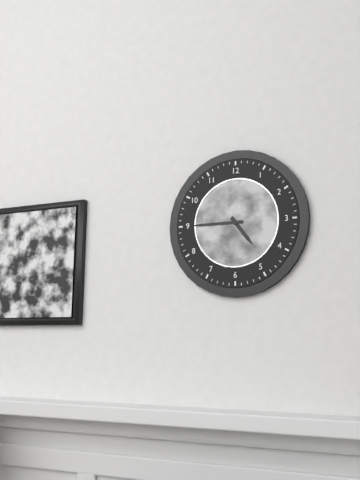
h=4 m=45
